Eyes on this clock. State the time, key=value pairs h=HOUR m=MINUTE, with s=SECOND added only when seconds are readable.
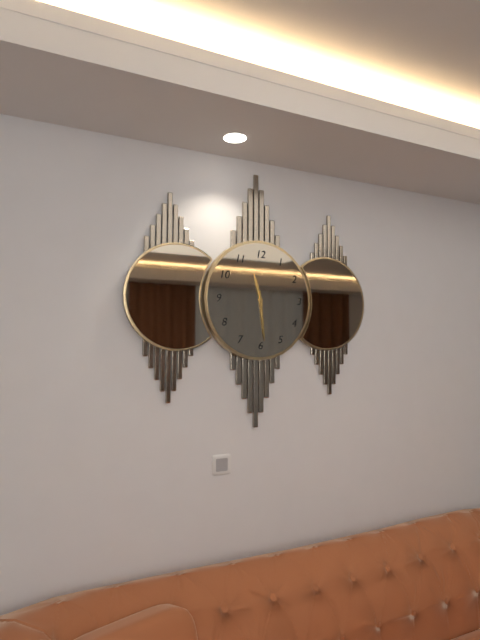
h=11 m=29
